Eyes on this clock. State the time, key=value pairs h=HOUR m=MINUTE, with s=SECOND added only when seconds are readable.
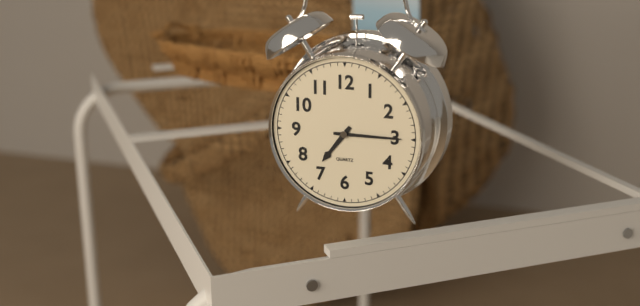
h=7 m=15
